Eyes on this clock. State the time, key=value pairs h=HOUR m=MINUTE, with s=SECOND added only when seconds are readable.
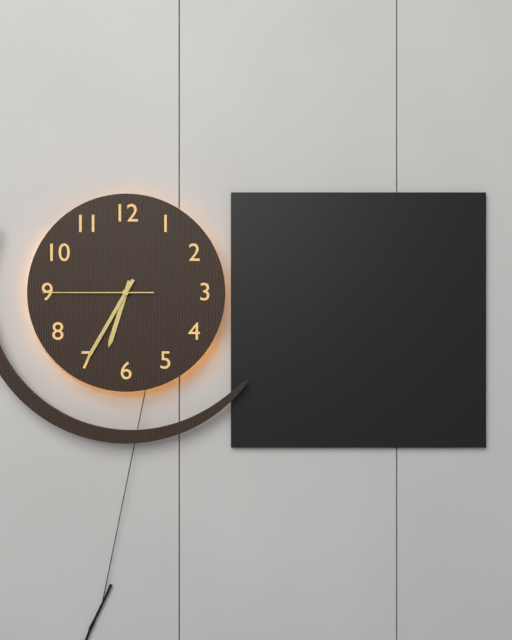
h=6 m=35 s=45
